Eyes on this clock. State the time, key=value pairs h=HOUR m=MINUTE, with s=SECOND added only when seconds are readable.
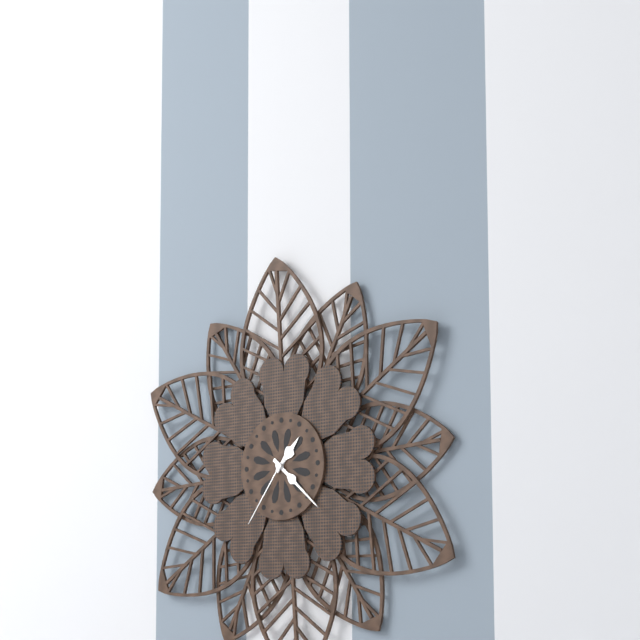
h=1 m=22 s=36
